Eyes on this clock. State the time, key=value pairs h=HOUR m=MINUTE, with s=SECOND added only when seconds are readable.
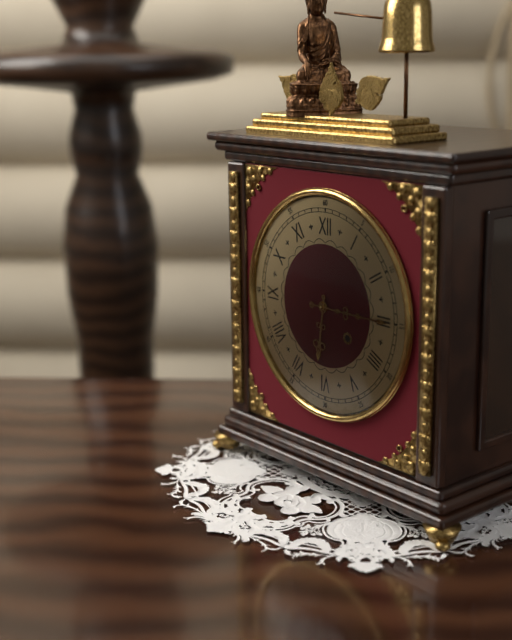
h=6 m=15
